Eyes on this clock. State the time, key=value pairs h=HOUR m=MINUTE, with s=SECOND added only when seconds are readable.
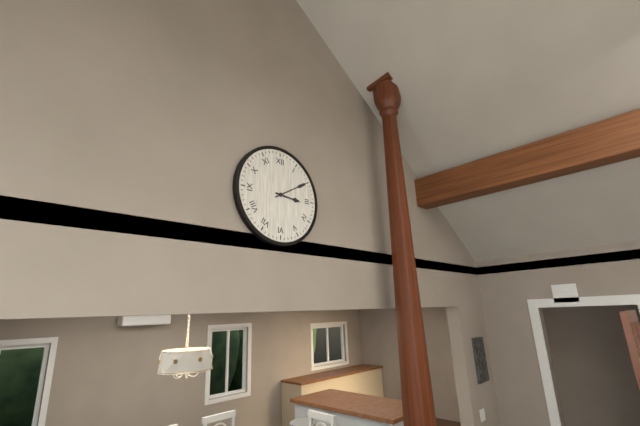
h=3 m=10
